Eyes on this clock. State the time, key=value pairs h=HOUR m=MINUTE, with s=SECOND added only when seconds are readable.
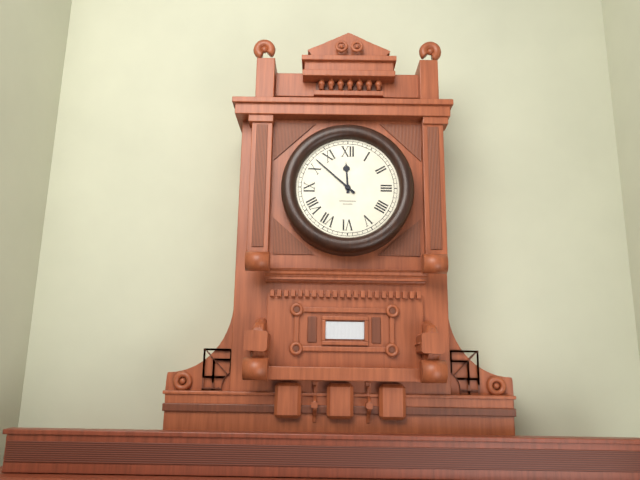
h=11 m=52
